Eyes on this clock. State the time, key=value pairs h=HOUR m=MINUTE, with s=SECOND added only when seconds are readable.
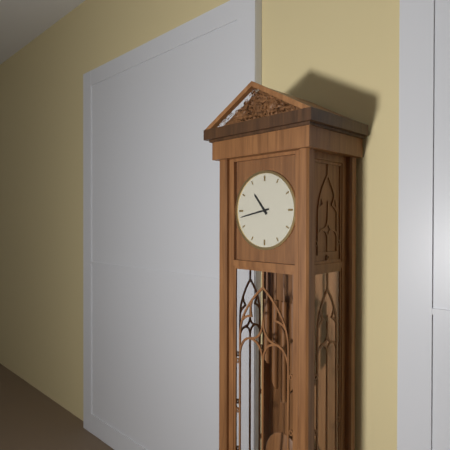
h=10 m=43
